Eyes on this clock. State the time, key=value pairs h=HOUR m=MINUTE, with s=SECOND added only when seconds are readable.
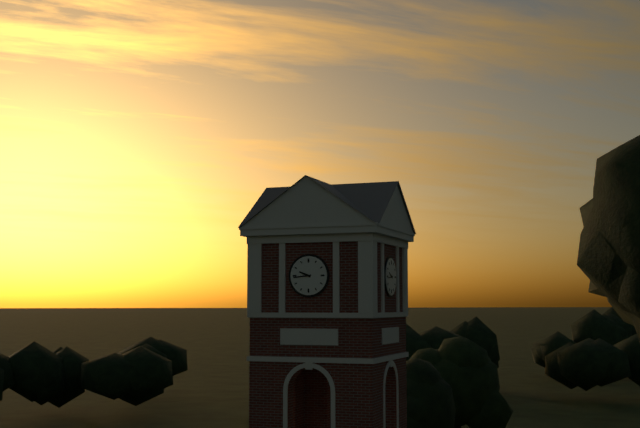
h=9 m=44
